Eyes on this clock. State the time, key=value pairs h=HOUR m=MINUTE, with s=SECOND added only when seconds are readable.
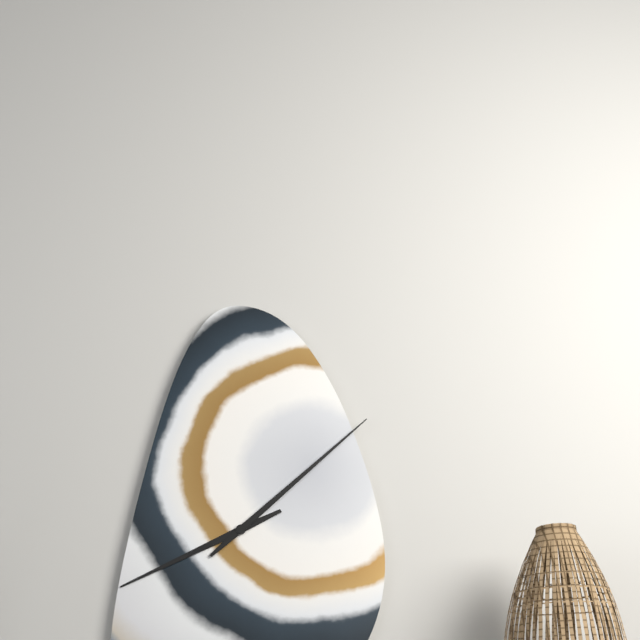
h=8 m=8
